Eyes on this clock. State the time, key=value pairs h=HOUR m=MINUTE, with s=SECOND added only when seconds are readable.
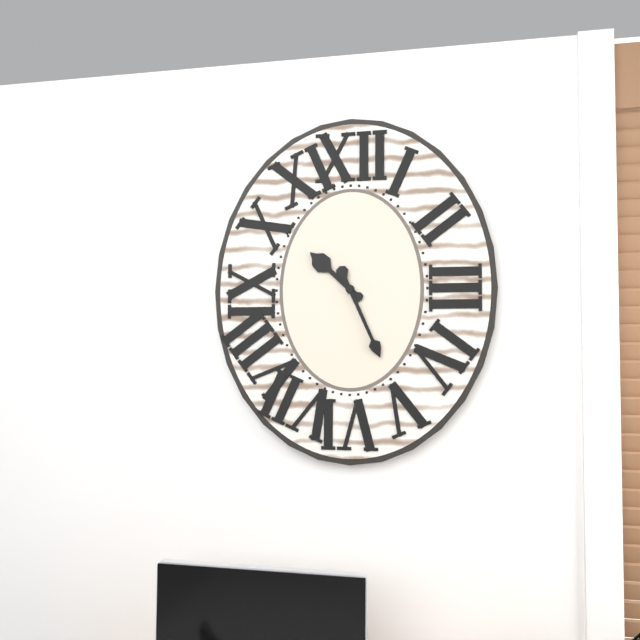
h=10 m=26
